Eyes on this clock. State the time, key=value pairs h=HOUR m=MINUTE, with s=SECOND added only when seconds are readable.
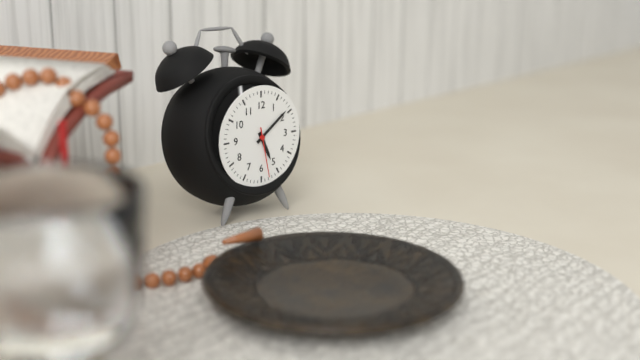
h=5 m=9 s=28
